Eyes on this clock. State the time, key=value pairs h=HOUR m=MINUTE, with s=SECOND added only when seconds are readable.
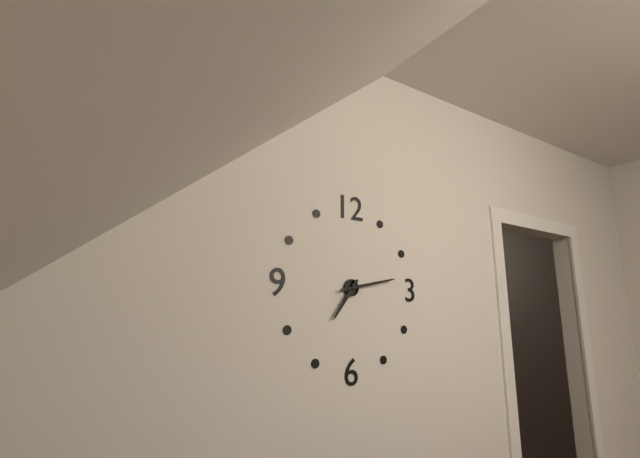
h=7 m=13
